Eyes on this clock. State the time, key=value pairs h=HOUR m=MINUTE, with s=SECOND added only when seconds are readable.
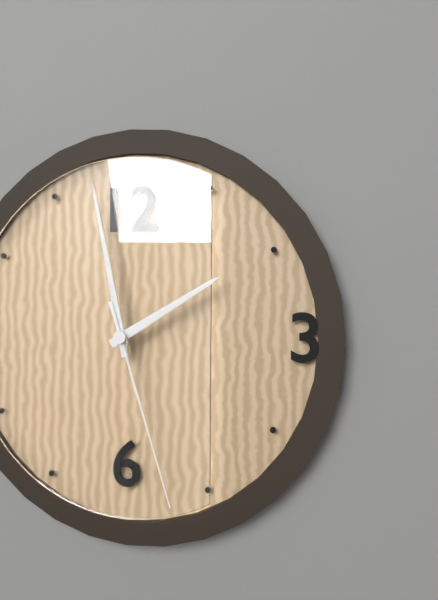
h=1 m=58 s=27
